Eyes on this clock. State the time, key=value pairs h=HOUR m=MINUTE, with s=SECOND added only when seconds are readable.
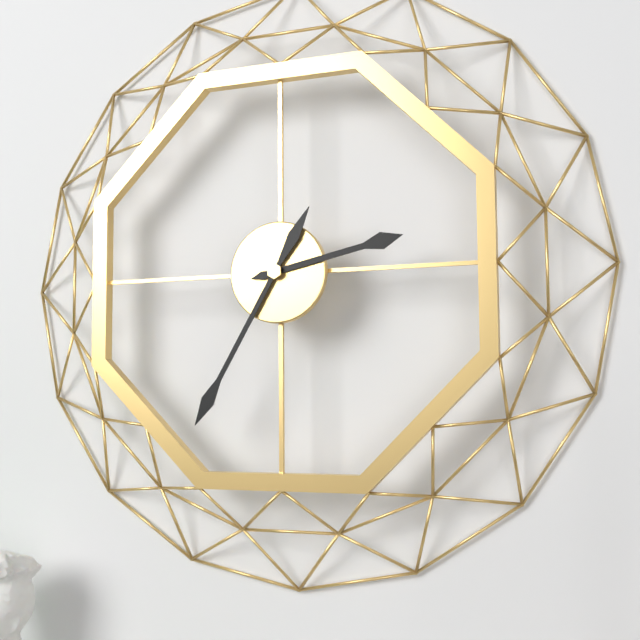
h=2 m=35
